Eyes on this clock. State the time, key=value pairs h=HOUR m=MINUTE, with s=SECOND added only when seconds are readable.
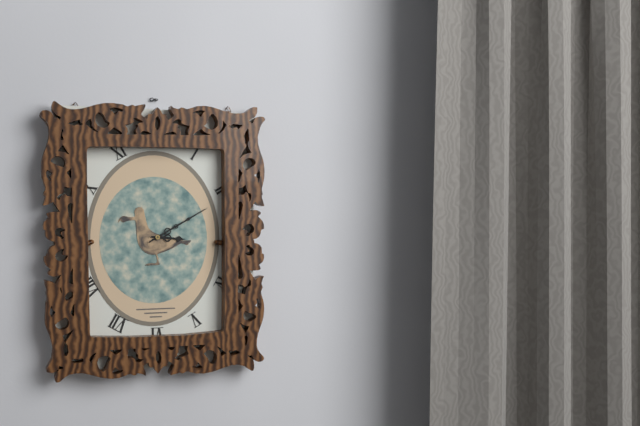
h=3 m=10
